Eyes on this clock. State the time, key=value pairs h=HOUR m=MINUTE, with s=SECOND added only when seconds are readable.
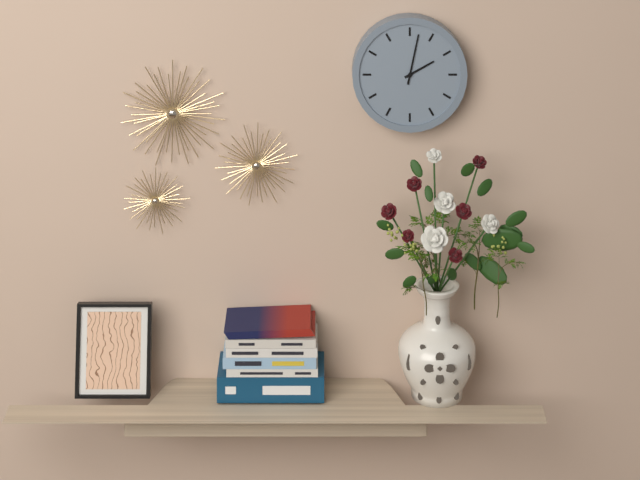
h=2 m=2
